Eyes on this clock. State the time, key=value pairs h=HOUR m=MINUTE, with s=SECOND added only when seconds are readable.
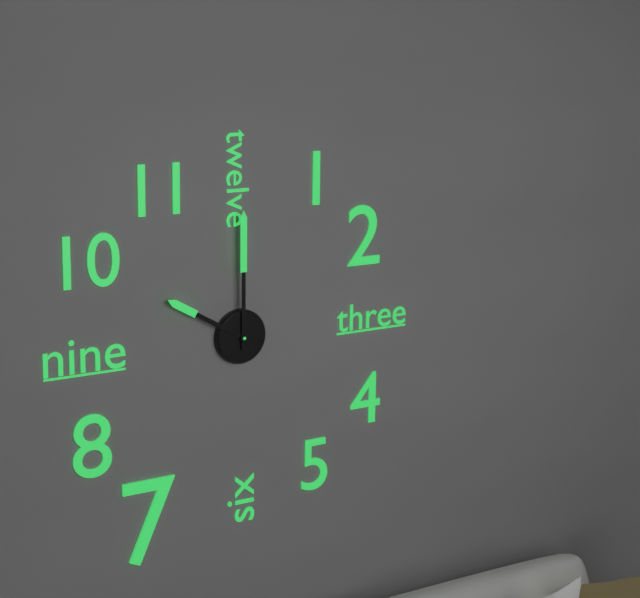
h=10 m=0
